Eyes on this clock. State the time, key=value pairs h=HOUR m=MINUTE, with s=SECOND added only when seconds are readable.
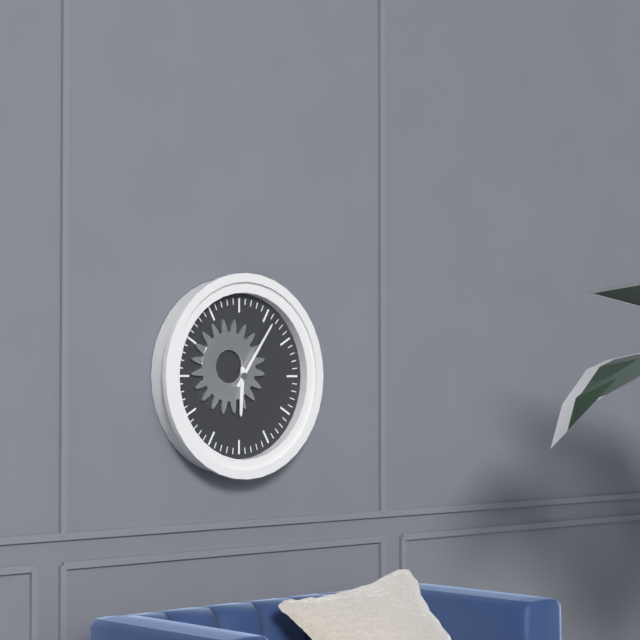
h=6 m=6
